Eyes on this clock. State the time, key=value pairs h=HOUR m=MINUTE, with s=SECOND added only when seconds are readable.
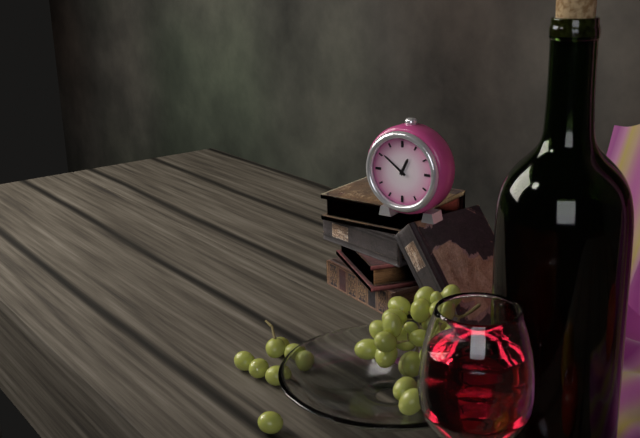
h=12 m=51
